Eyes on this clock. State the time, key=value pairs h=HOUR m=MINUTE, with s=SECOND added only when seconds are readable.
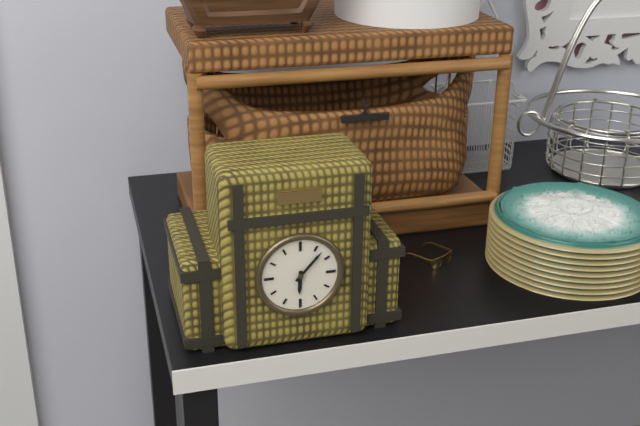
h=6 m=7
